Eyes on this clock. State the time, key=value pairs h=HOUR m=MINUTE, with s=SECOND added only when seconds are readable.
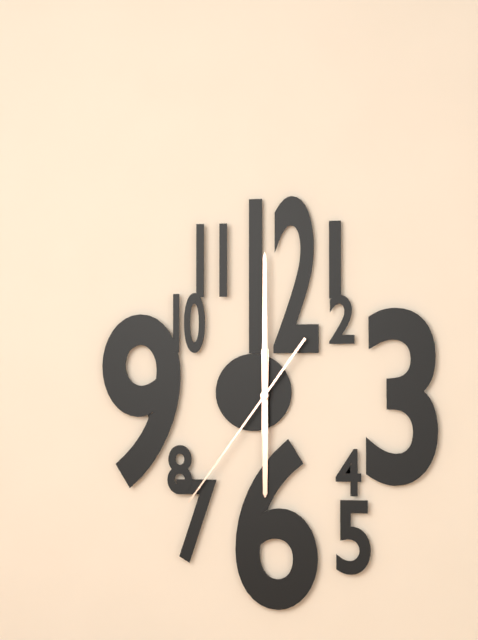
h=6 m=0 s=36
